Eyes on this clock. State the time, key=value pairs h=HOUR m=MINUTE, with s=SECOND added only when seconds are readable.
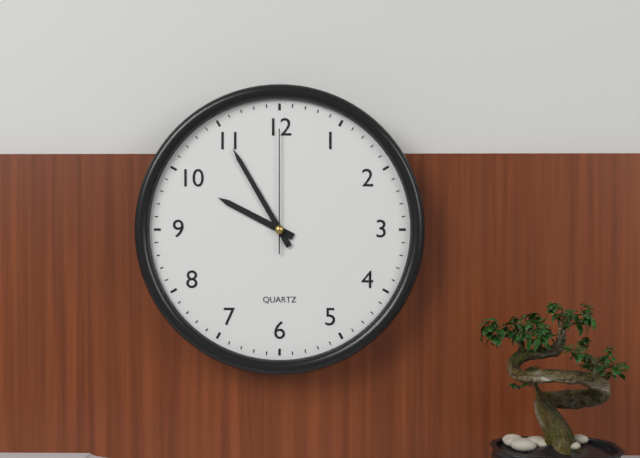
h=9 m=55 s=0
